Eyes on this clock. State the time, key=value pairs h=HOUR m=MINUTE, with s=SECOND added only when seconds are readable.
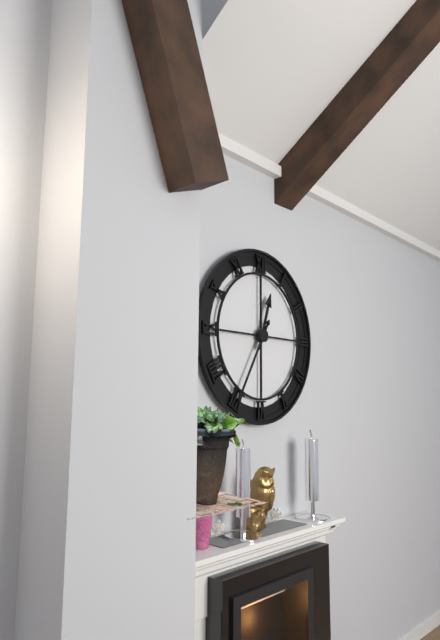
h=12 m=35
